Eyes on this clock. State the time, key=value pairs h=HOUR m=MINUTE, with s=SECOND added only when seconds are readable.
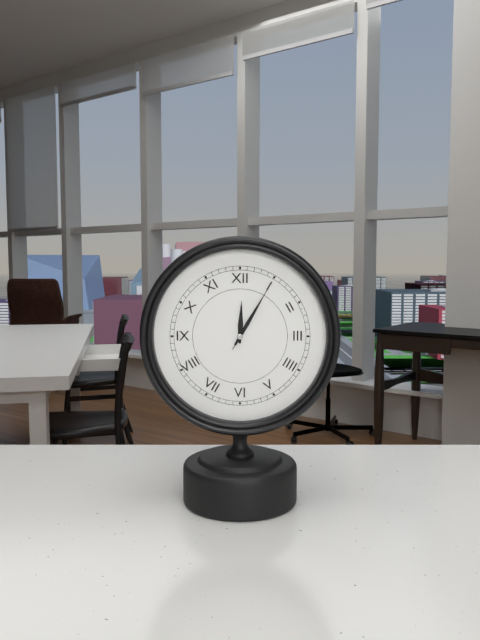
h=12 m=5 s=5
